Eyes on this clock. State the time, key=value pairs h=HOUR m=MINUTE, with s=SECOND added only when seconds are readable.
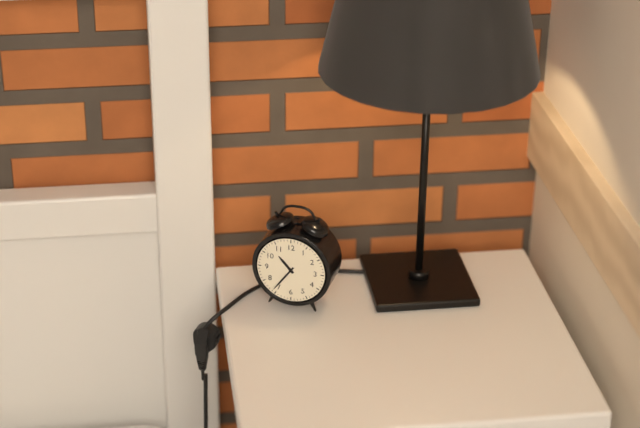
h=10 m=36
